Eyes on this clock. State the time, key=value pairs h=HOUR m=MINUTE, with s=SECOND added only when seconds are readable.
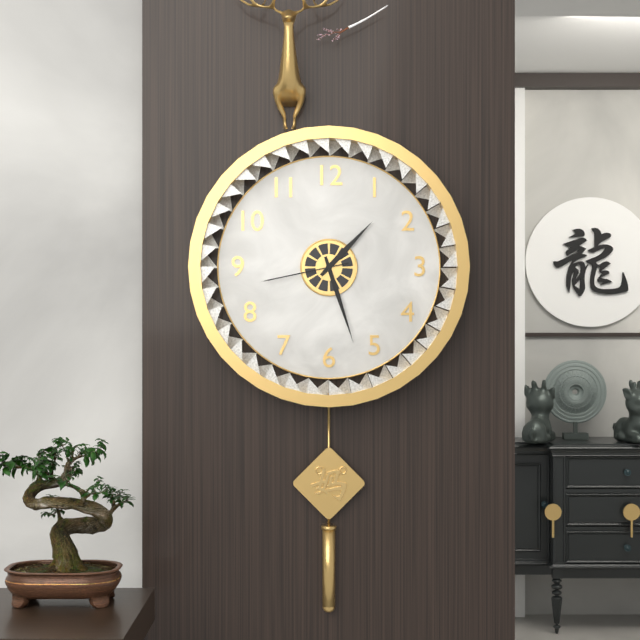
h=1 m=27 s=43
